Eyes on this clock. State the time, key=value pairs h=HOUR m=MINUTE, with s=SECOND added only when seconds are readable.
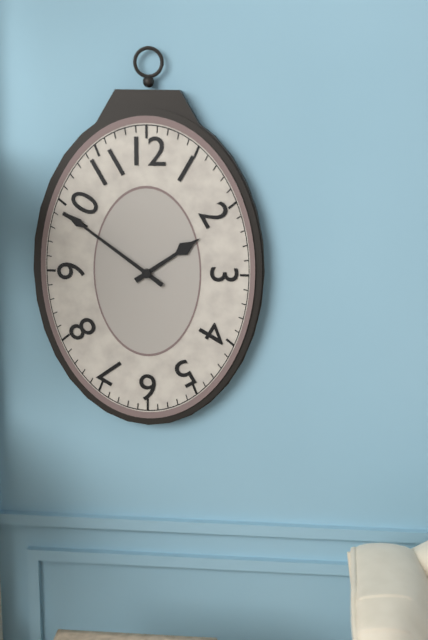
h=1 m=51
